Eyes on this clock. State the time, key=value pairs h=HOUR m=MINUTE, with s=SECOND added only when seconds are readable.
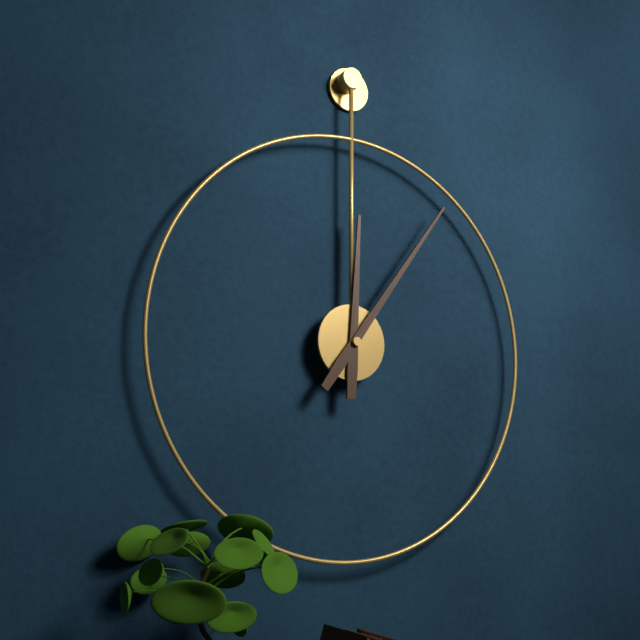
h=12 m=6
